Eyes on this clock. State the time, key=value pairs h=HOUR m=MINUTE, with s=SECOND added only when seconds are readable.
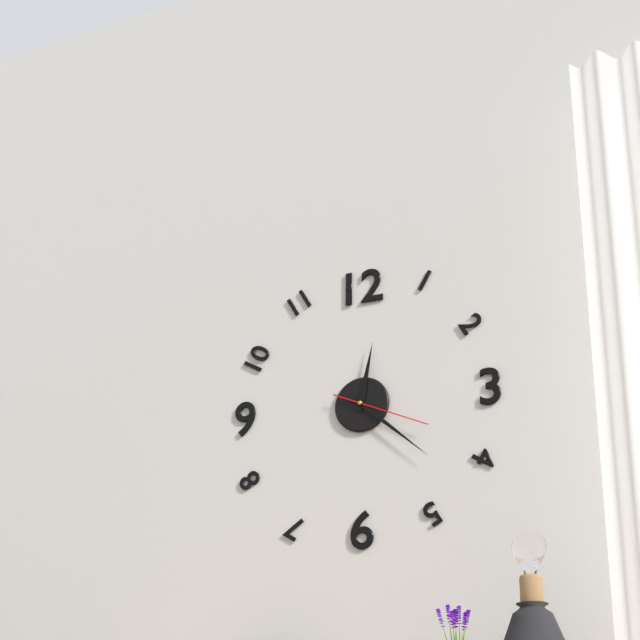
h=12 m=22 s=19
